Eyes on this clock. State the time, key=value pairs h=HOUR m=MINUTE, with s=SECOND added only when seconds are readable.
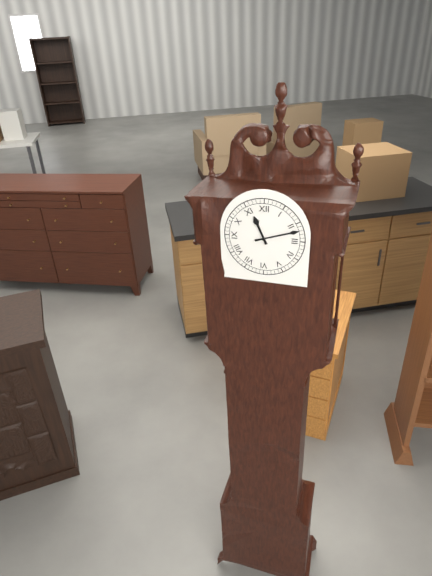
h=11 m=12
